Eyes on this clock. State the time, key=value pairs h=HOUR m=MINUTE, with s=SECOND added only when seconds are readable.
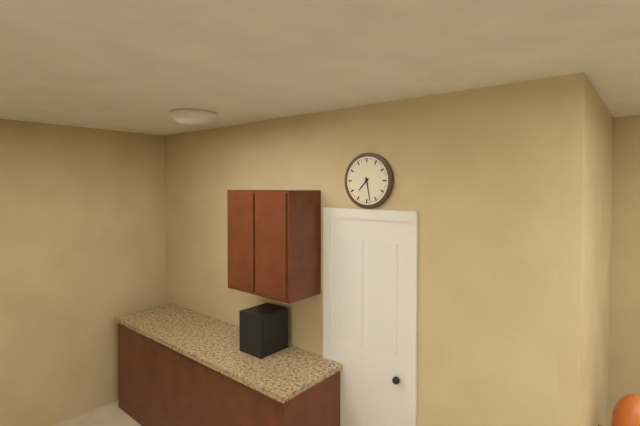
h=7 m=28
